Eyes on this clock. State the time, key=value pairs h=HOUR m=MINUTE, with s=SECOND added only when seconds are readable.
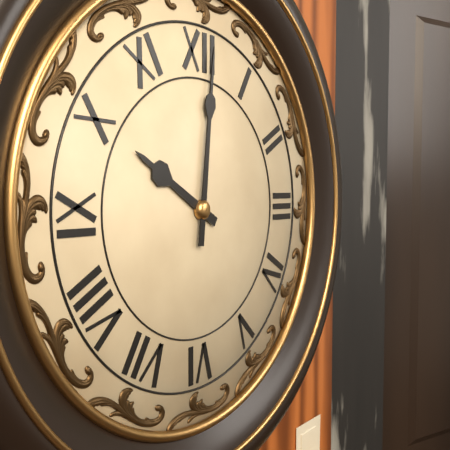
h=10 m=1
